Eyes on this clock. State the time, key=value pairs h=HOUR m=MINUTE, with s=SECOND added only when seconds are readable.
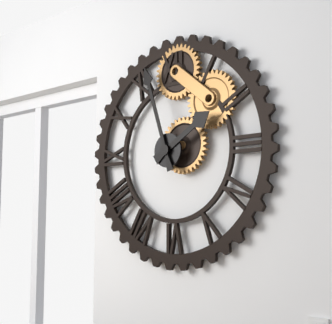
h=1 m=57
